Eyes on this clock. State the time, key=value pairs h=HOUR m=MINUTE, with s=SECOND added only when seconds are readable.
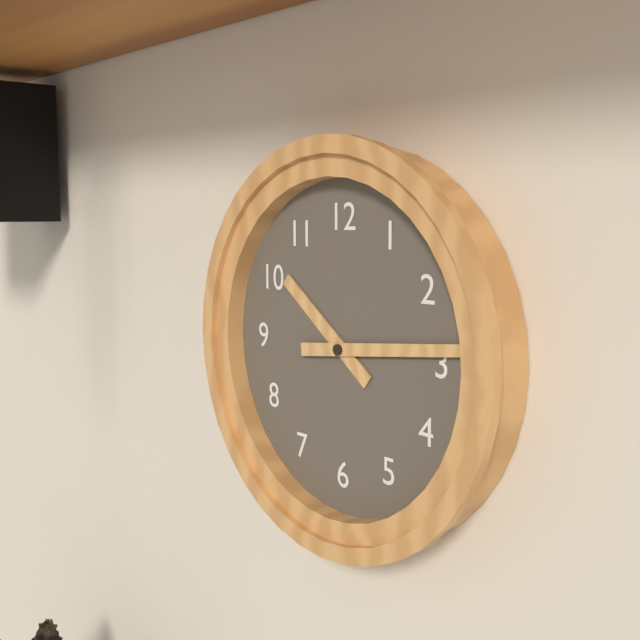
h=10 m=14
